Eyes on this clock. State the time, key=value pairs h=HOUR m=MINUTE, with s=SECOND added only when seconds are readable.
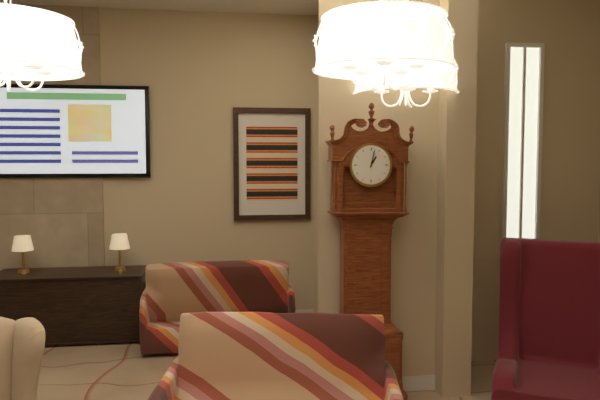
h=1 m=2
